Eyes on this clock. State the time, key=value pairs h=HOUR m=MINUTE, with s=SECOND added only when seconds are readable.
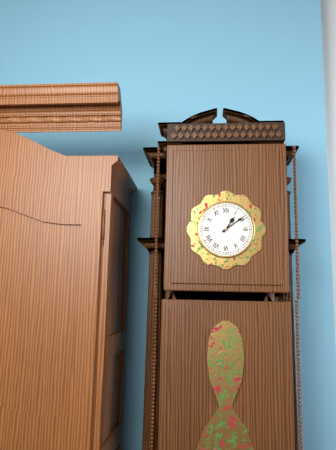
h=1 m=9
